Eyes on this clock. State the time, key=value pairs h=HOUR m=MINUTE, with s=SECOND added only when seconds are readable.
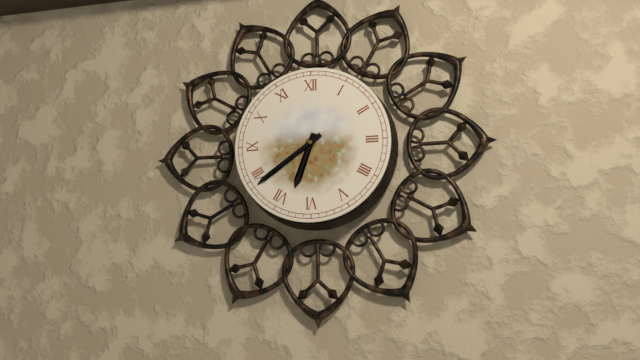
h=6 m=39
